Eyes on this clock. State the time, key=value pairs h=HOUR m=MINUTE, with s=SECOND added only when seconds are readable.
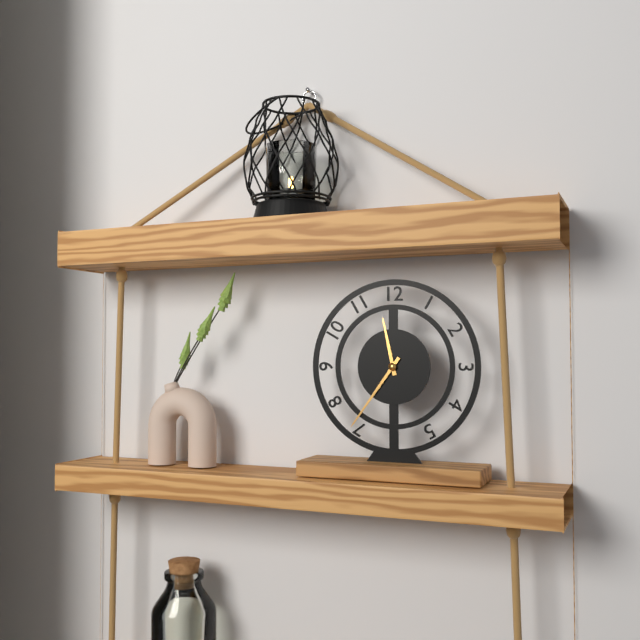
h=11 m=36
